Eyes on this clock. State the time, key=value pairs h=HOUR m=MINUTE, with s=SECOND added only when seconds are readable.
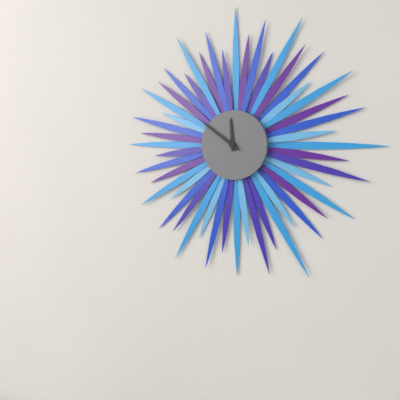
h=11 m=51
